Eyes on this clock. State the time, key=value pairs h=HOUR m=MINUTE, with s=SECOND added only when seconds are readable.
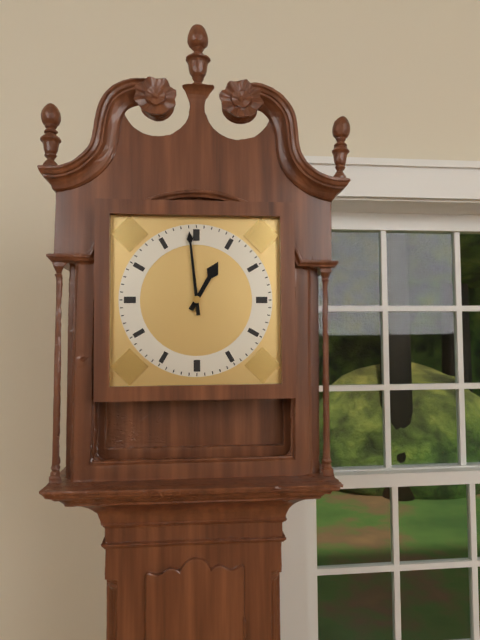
h=12 m=59
